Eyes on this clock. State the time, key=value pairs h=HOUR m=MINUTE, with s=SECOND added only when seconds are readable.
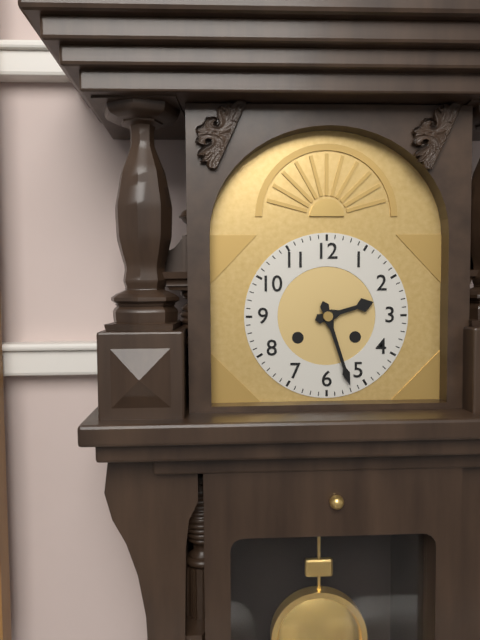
h=2 m=27
